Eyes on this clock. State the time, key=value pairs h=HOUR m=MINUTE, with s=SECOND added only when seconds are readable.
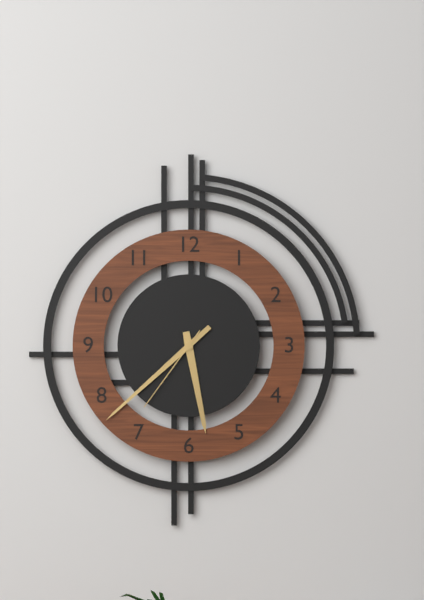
h=5 m=38 s=36
